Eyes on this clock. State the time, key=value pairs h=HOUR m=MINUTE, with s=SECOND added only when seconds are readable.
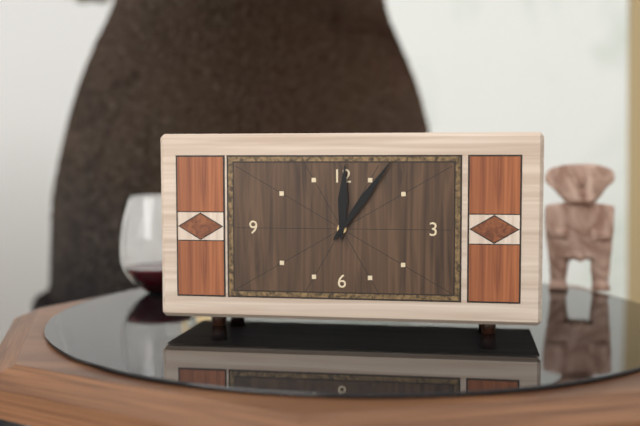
h=12 m=6
